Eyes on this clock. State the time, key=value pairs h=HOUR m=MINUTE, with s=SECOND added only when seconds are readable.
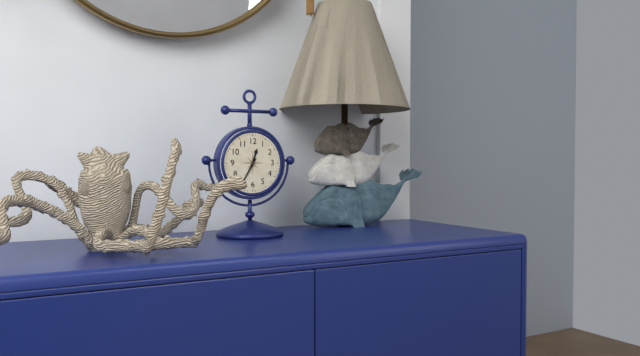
h=12 m=35
